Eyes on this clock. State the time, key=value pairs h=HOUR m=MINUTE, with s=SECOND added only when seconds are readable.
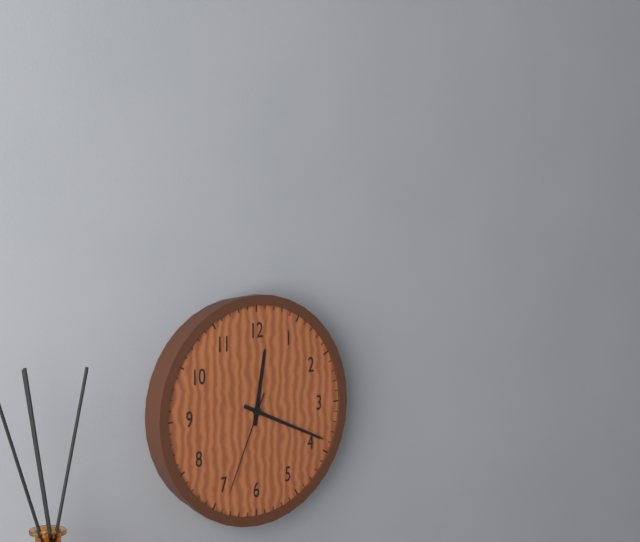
h=12 m=19 s=34
